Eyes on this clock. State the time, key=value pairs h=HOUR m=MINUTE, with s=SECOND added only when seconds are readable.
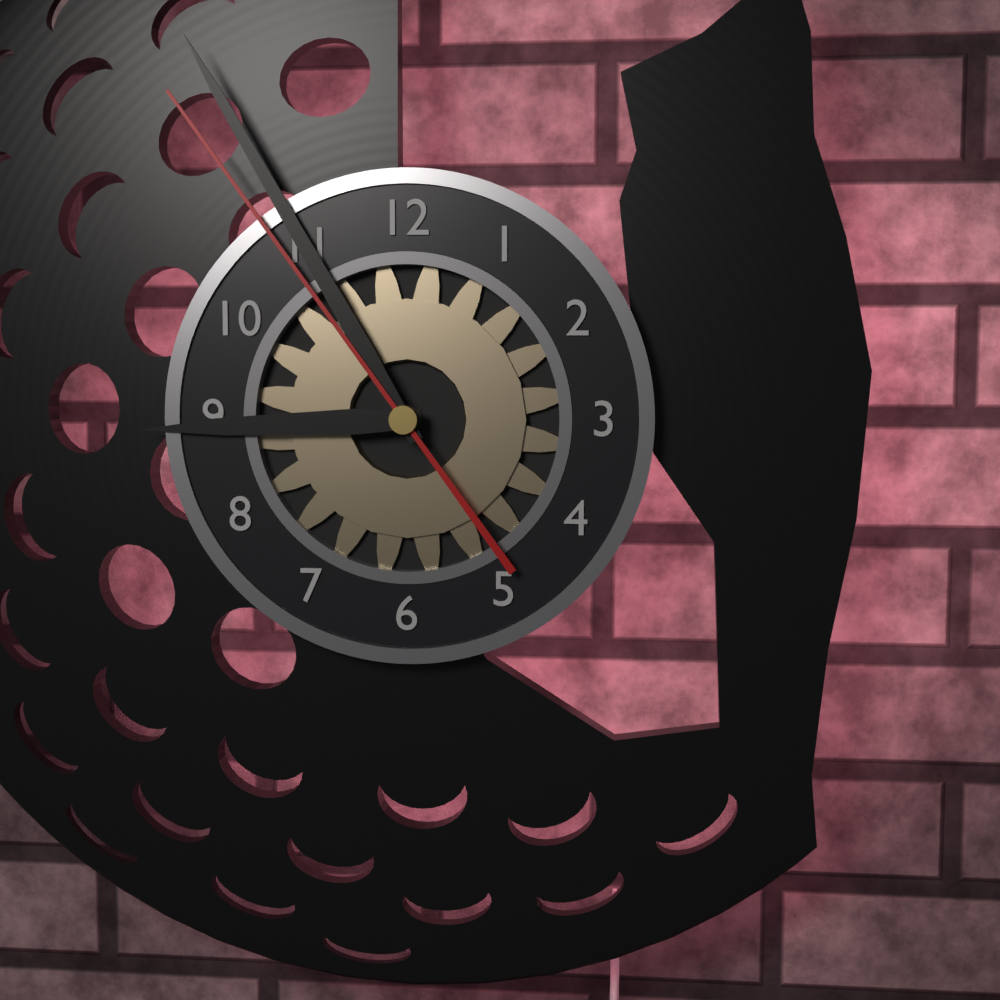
h=8 m=55 s=54
